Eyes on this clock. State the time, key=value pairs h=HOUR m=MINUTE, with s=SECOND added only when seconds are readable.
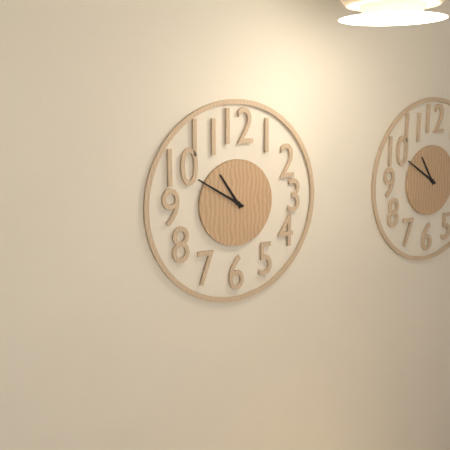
h=10 m=50
